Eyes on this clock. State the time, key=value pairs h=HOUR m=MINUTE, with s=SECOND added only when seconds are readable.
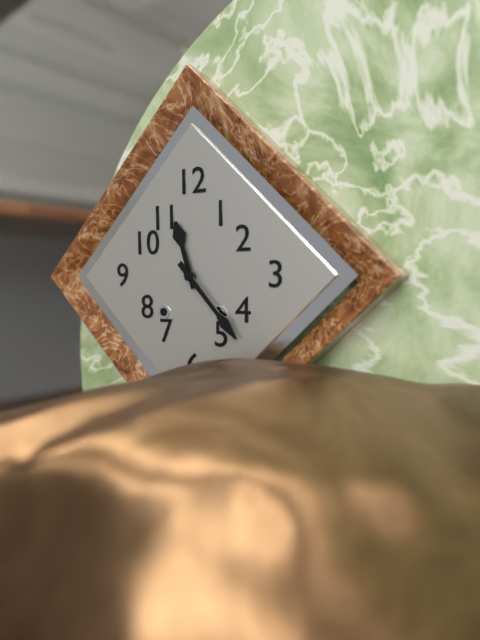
h=11 m=23
